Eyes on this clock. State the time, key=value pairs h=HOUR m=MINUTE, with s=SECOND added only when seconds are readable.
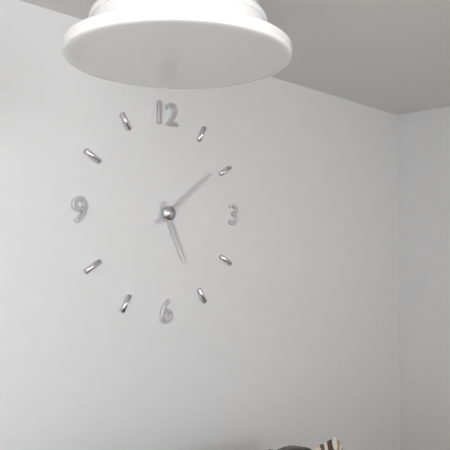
h=5 m=9
